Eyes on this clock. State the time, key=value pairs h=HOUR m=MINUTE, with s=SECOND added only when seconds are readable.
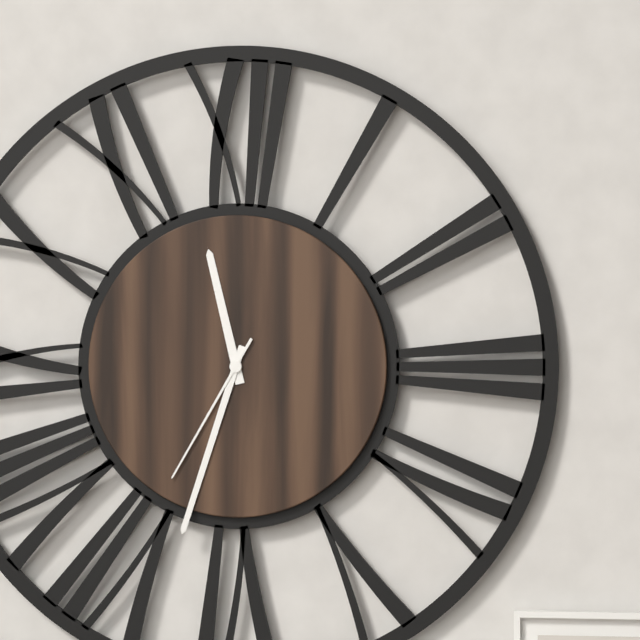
h=11 m=33 s=35
